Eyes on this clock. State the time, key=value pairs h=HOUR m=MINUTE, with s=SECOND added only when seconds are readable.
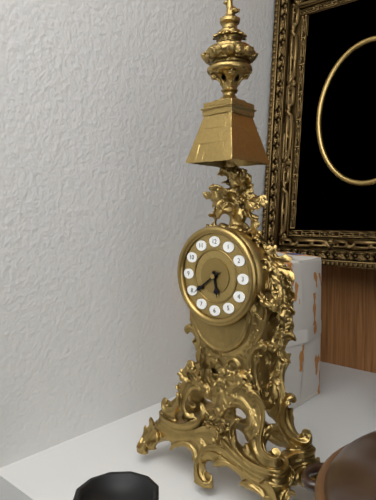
h=5 m=39
